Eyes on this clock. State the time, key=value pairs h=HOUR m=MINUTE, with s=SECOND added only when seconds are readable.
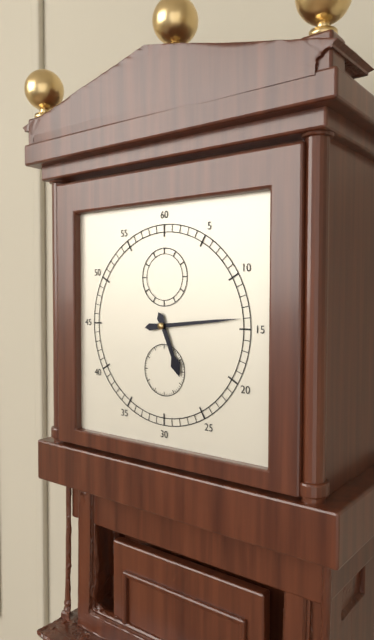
h=5 m=14
